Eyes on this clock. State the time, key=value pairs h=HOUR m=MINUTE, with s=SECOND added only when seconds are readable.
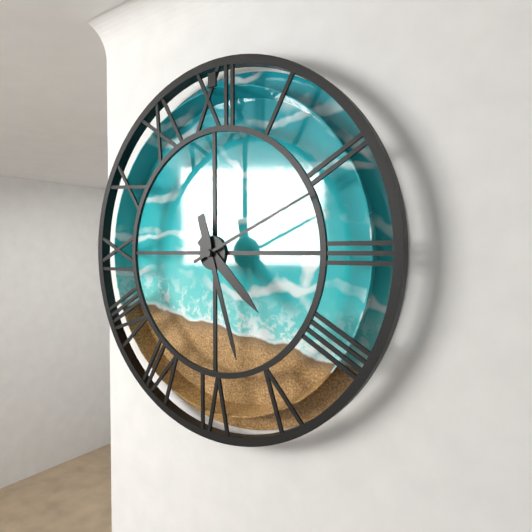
h=4 m=27 s=11
